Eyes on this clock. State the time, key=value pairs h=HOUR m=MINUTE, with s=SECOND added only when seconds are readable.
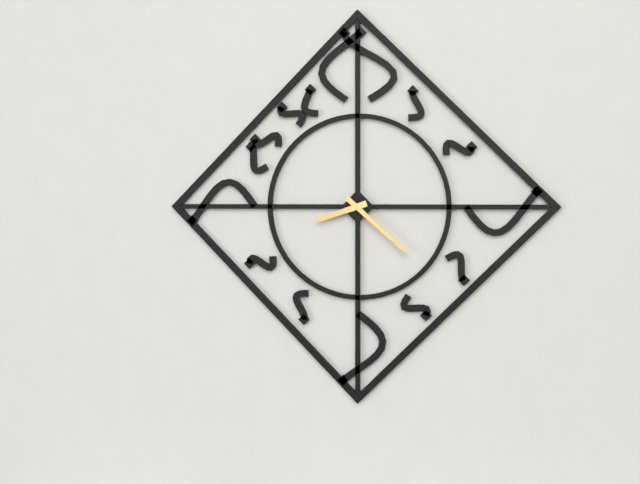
h=8 m=22
